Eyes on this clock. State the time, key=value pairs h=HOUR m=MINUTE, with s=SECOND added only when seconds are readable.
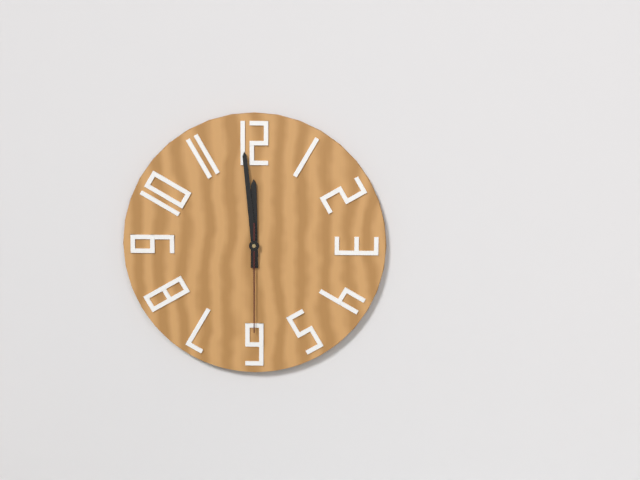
h=11 m=59 s=30
